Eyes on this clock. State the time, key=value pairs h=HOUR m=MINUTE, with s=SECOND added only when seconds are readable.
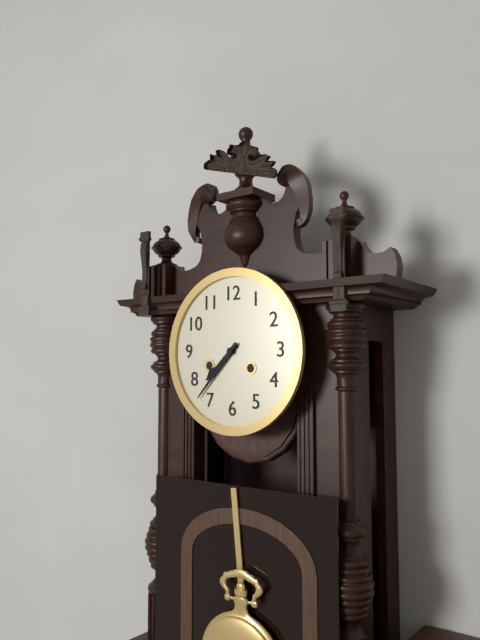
h=7 m=37
